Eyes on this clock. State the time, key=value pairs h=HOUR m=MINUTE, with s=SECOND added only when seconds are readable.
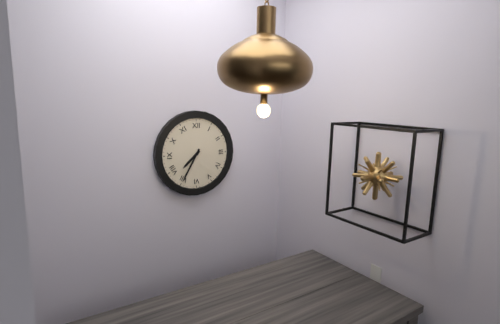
h=7 m=35
